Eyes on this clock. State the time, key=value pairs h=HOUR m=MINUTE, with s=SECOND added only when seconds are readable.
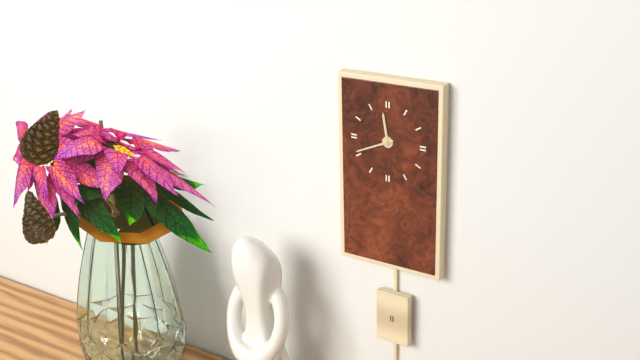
h=11 m=41
